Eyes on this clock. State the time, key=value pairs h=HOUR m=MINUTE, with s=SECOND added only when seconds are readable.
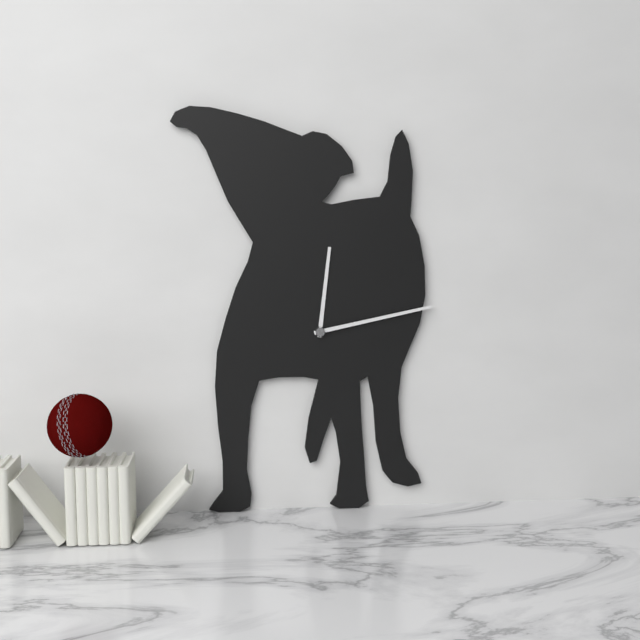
h=12 m=13
